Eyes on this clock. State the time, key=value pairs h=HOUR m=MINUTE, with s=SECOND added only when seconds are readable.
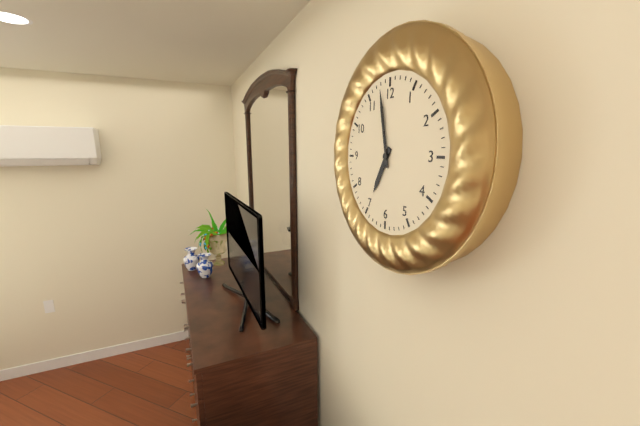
h=6 m=58
